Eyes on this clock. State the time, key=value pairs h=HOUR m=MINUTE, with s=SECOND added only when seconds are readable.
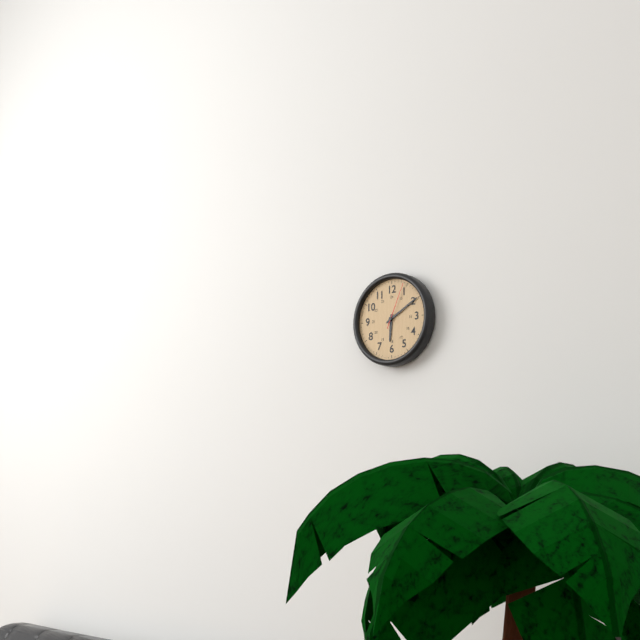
h=6 m=10
